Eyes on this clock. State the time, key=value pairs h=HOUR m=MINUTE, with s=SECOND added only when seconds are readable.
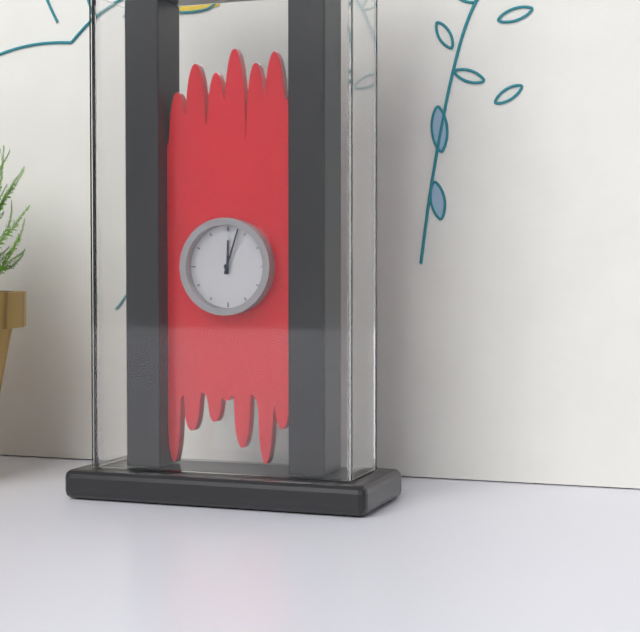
h=12 m=3
